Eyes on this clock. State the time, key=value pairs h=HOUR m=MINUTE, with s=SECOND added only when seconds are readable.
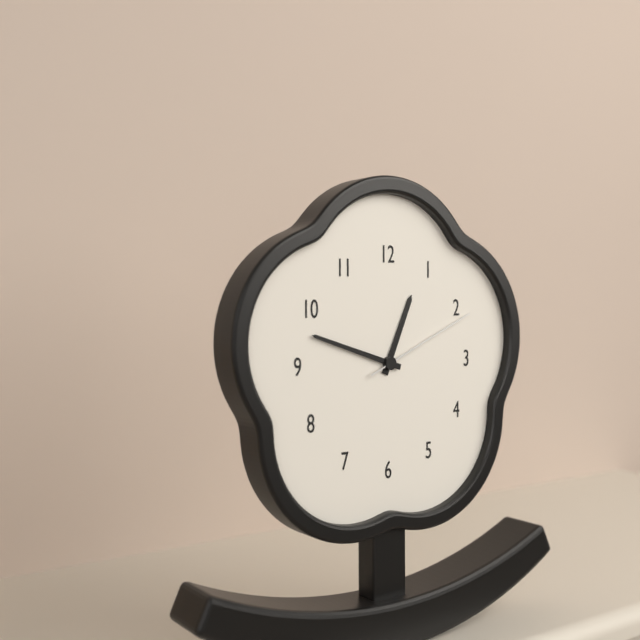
h=12 m=48 s=11
